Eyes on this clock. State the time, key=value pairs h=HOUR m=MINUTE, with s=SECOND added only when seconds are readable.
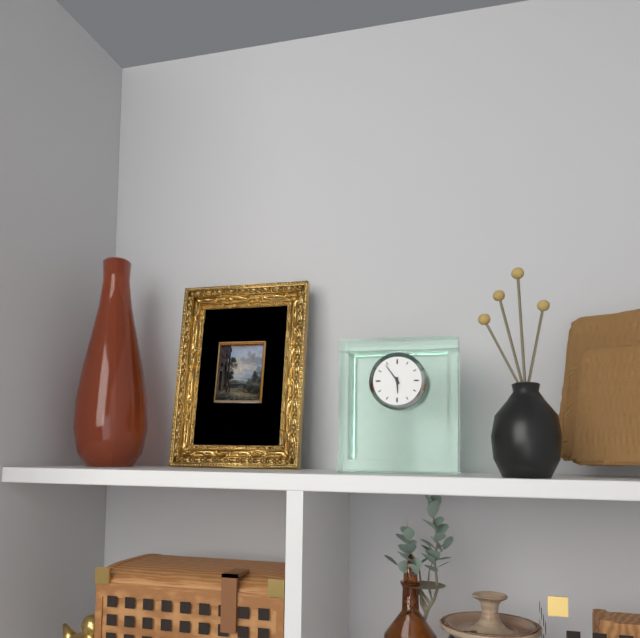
h=5 m=54
